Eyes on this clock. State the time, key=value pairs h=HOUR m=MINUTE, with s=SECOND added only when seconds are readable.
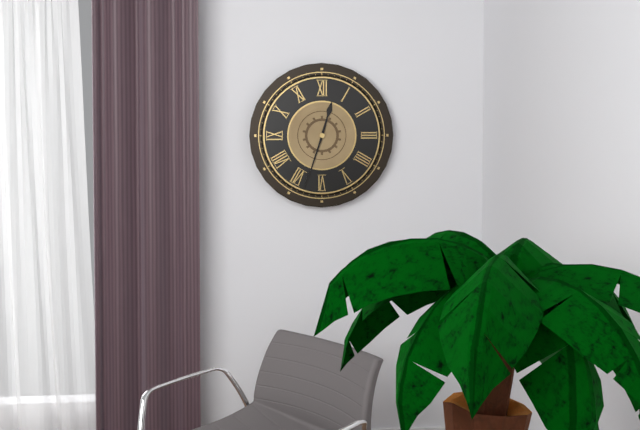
h=12 m=33
